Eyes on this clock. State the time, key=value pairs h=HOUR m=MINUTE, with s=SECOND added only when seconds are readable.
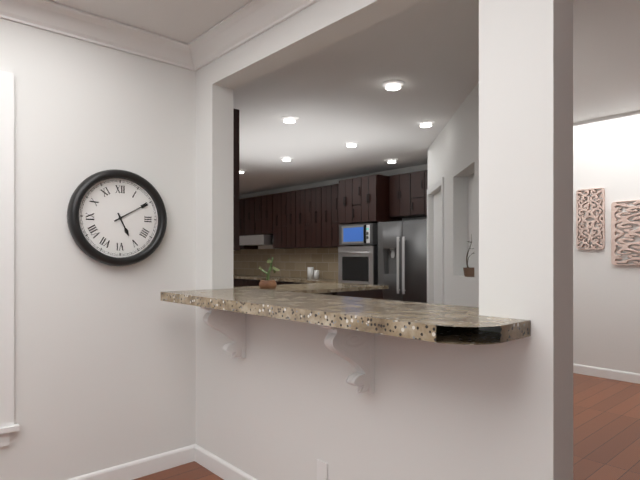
h=5 m=10
